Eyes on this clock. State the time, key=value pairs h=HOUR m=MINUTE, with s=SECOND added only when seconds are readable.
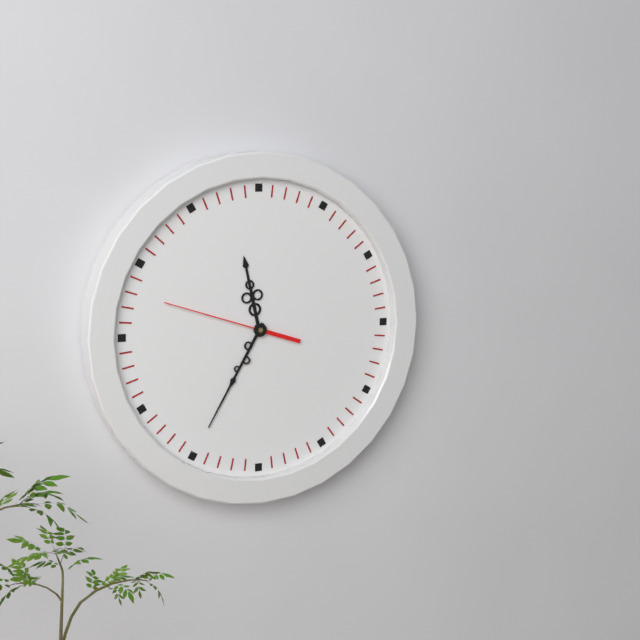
h=11 m=35 s=48
